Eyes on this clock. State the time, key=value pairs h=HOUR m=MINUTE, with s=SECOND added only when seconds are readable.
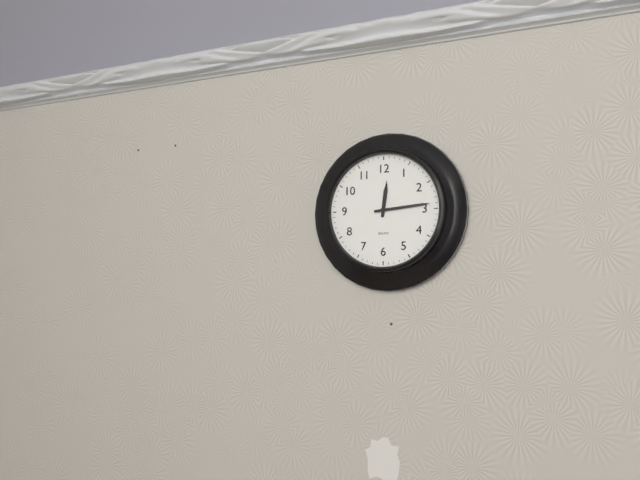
h=12 m=14
